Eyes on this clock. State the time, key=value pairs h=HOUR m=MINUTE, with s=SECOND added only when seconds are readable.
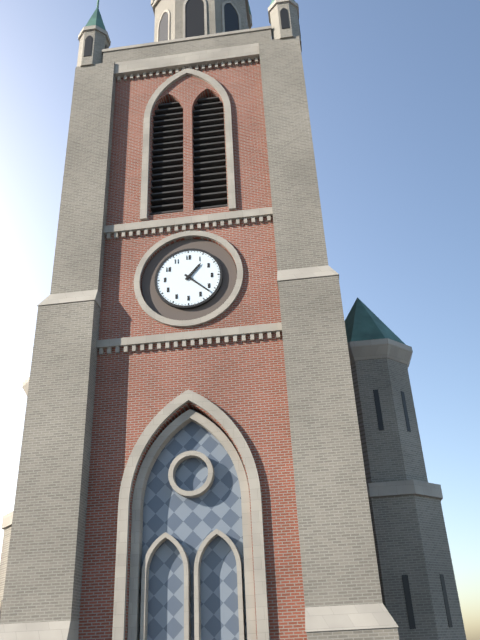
h=1 m=22
